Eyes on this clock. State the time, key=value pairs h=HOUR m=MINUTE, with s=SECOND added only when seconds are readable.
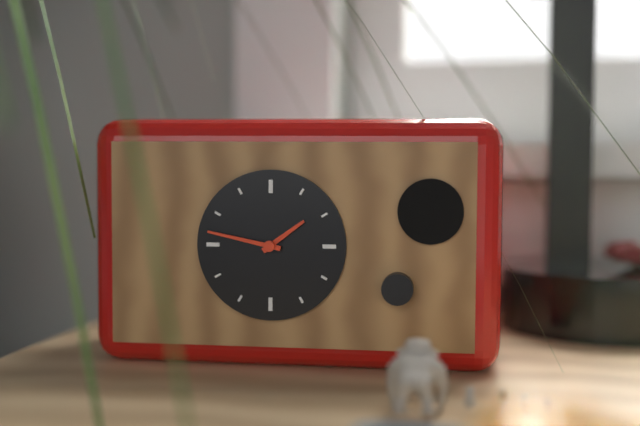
h=1 m=47
